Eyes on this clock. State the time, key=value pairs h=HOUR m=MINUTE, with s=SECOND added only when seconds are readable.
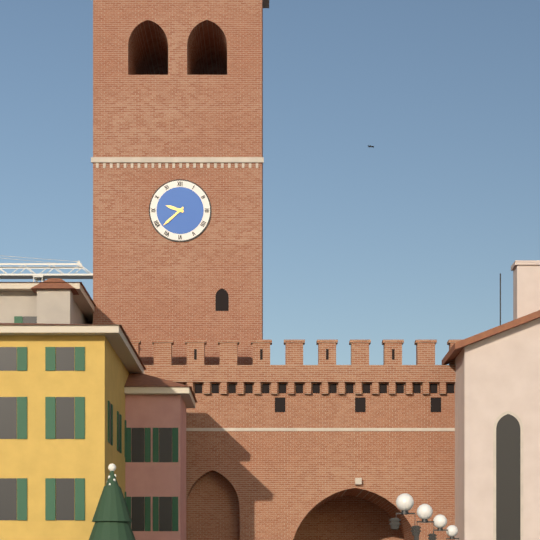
h=9 m=38
